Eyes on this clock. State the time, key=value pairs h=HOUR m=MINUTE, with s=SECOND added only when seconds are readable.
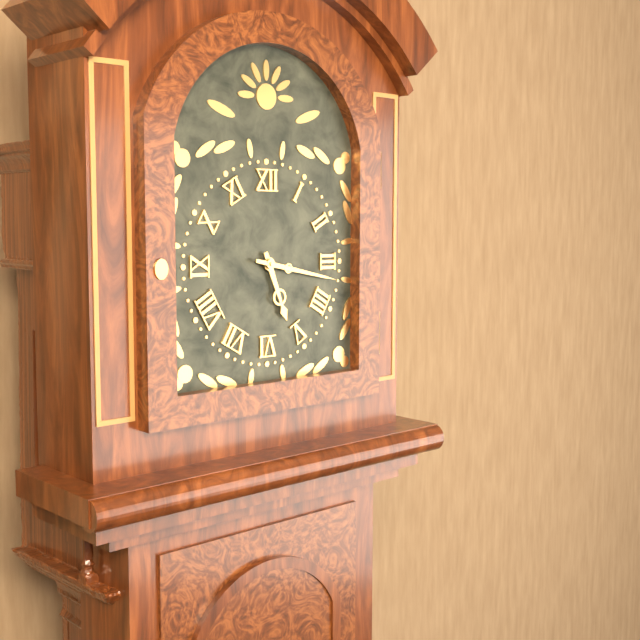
h=5 m=17
